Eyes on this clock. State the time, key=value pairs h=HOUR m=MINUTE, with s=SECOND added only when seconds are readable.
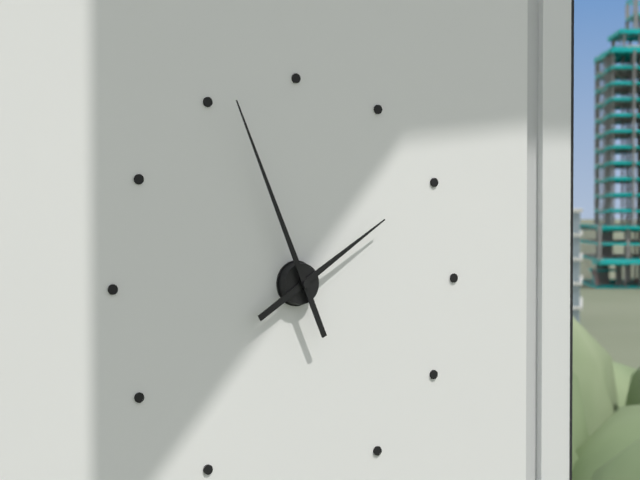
h=1 m=56
